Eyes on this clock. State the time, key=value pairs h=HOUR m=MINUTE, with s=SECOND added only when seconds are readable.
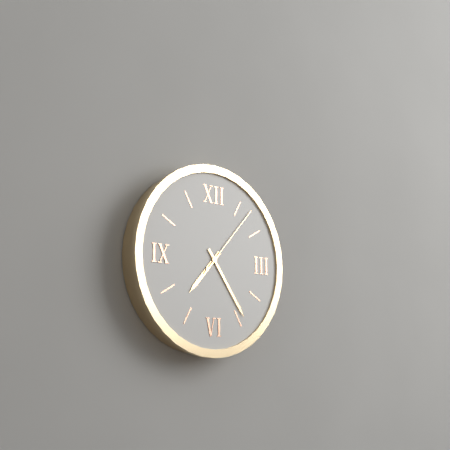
h=7 m=24 s=7
